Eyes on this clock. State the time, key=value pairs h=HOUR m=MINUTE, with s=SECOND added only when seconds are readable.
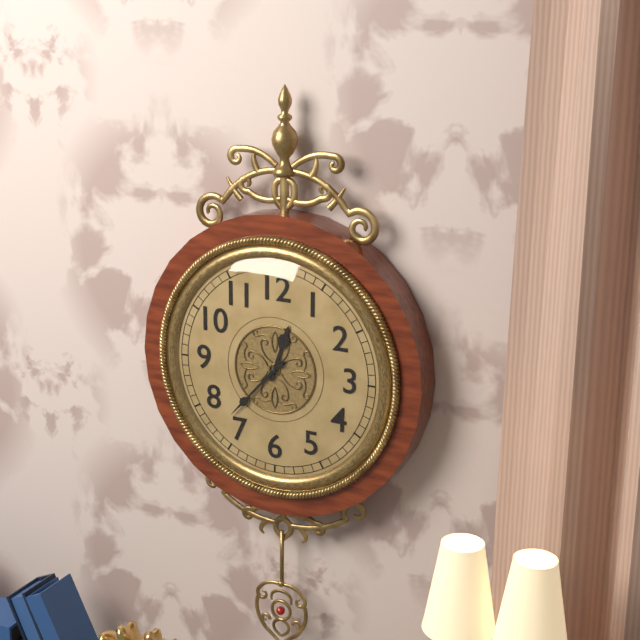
h=12 m=37
